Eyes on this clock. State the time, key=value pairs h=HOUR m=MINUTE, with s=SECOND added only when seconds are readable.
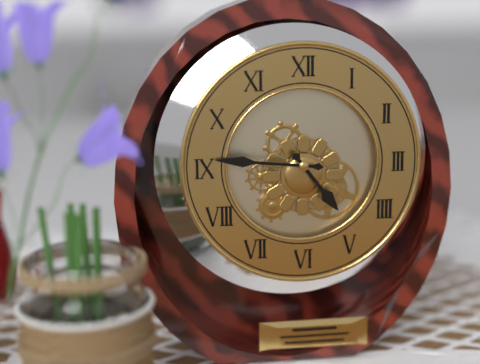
h=4 m=46
